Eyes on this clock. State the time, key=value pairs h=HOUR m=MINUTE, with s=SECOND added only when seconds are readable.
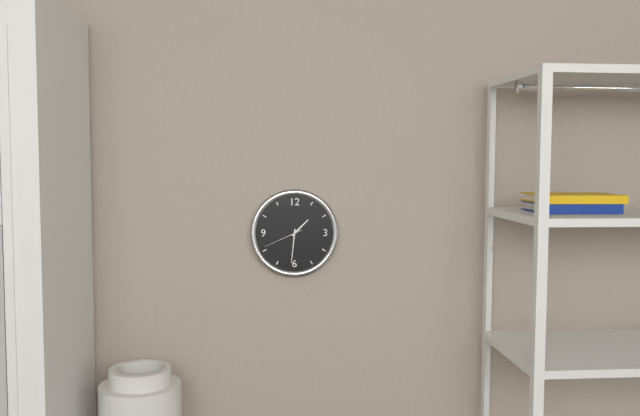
h=1 m=31
